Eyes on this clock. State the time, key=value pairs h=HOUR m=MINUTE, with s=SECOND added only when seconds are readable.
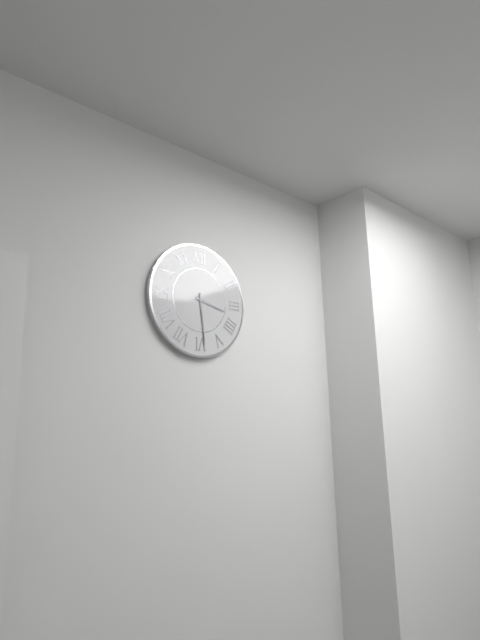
h=3 m=29
